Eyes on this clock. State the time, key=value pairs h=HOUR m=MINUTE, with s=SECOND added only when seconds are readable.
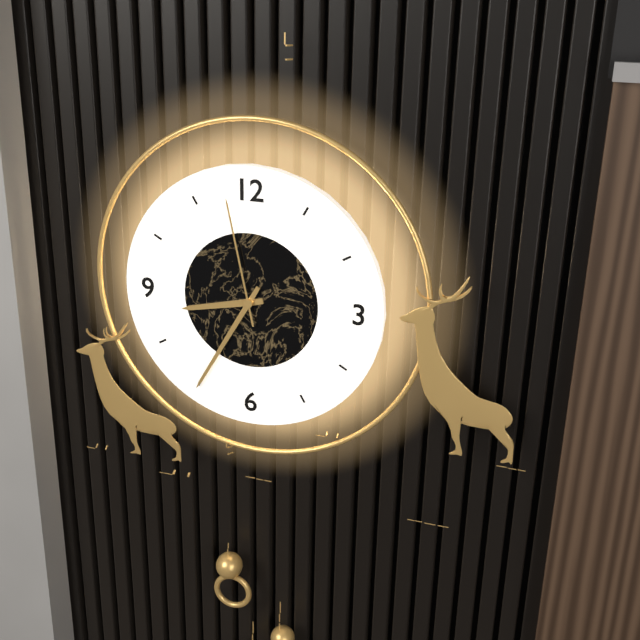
h=8 m=35 s=58
